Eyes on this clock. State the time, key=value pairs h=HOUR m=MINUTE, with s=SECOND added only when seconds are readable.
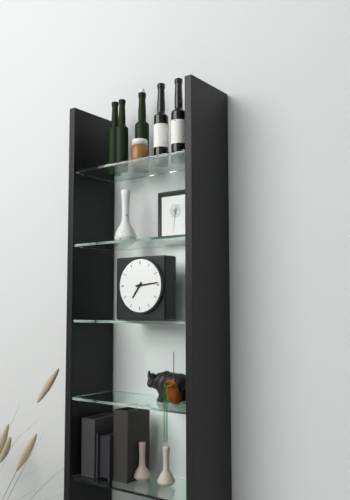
h=7 m=14
